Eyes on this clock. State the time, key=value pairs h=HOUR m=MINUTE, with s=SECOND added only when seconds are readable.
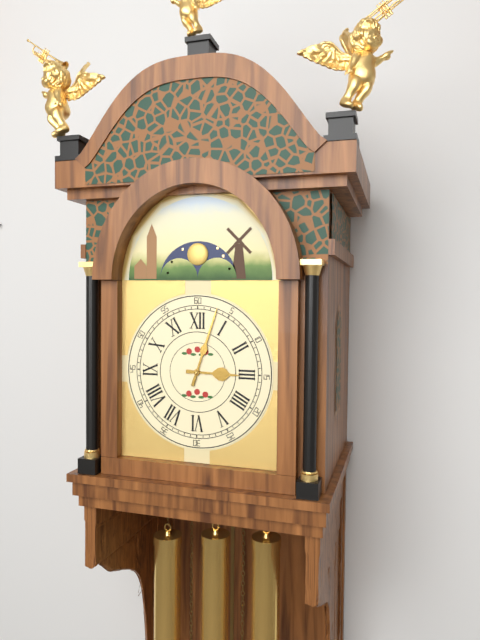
h=3 m=3
